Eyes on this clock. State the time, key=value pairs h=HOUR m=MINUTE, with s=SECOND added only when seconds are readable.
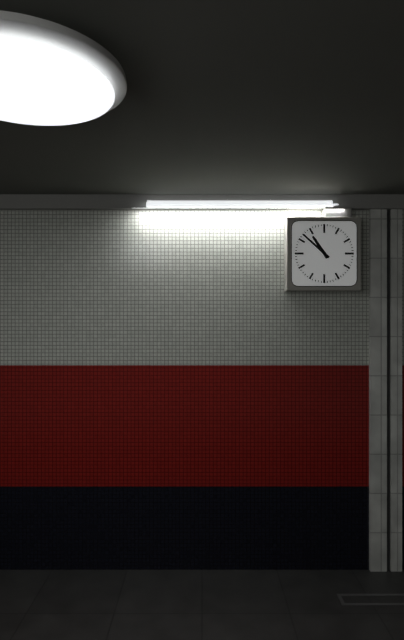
h=10 m=52
